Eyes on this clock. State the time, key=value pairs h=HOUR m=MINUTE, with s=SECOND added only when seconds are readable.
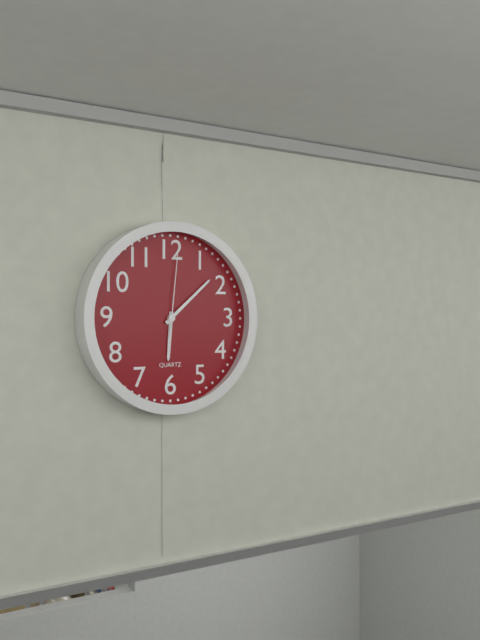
h=6 m=8 s=1
